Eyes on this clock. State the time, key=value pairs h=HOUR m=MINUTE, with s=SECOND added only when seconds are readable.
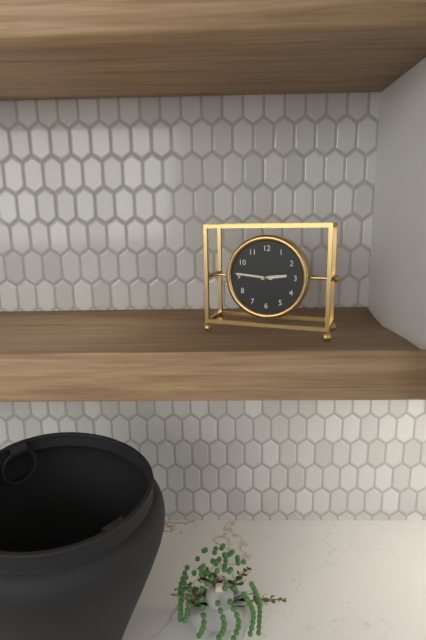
h=2 m=46
